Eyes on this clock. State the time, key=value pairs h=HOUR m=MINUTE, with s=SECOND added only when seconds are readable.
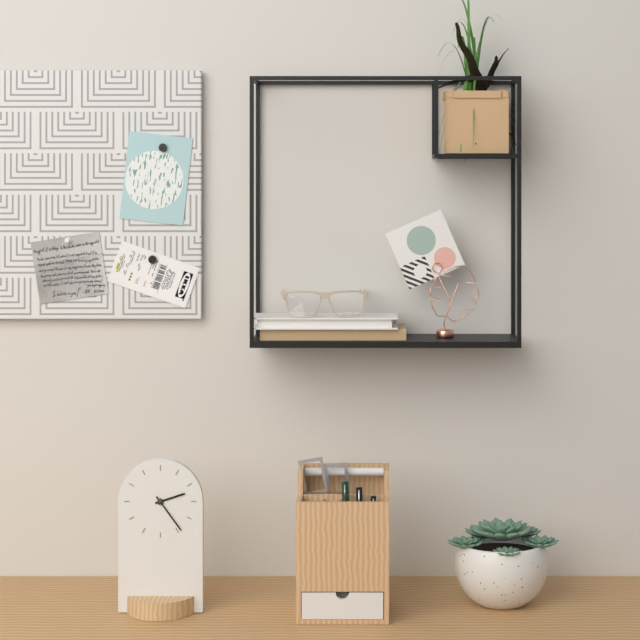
h=2 m=24
